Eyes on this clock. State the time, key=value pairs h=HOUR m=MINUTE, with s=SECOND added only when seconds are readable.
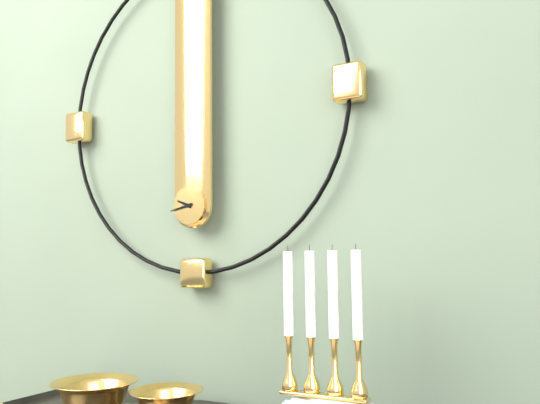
h=9 m=43
